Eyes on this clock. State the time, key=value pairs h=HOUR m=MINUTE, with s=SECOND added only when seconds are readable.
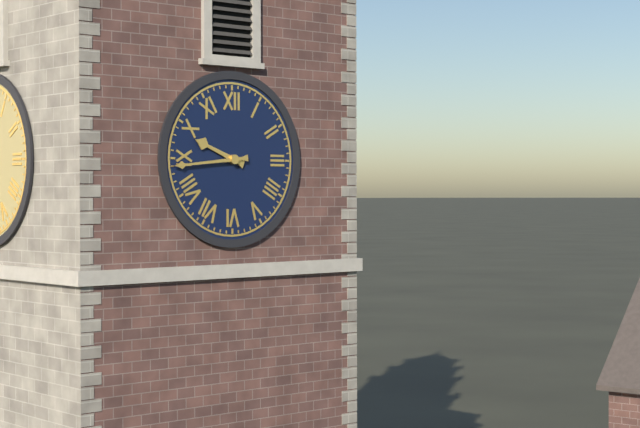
h=9 m=44
